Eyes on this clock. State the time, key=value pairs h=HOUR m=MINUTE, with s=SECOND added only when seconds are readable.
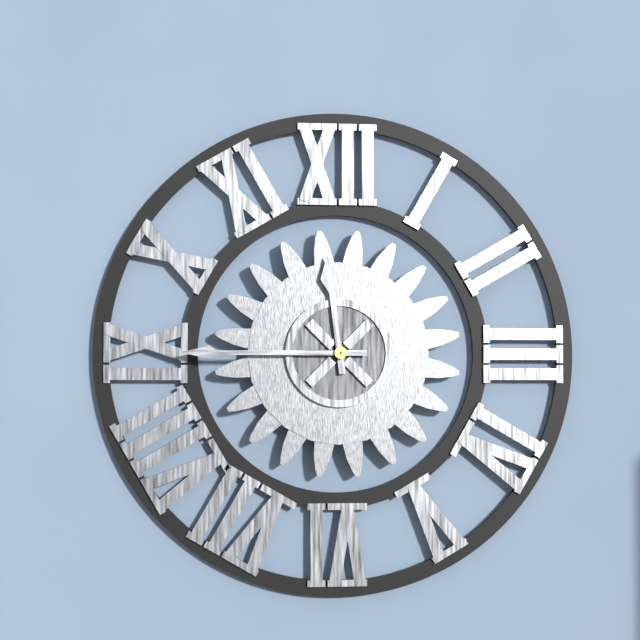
h=11 m=45
